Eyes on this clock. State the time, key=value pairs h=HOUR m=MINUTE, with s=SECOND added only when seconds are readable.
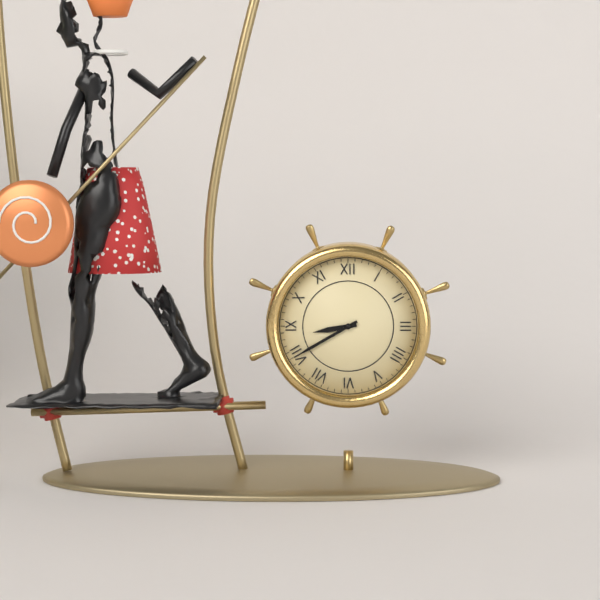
h=8 m=40
